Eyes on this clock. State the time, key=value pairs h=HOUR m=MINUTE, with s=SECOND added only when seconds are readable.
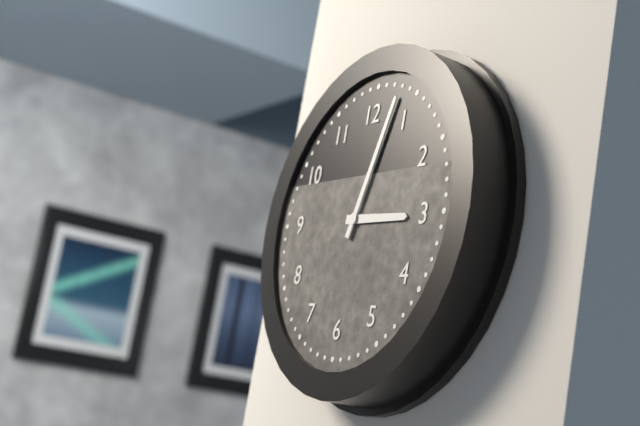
h=3 m=3
